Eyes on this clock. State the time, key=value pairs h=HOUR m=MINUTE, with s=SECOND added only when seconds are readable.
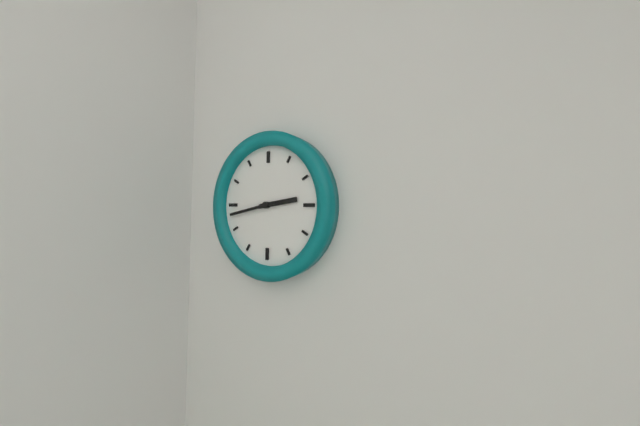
h=2 m=43
